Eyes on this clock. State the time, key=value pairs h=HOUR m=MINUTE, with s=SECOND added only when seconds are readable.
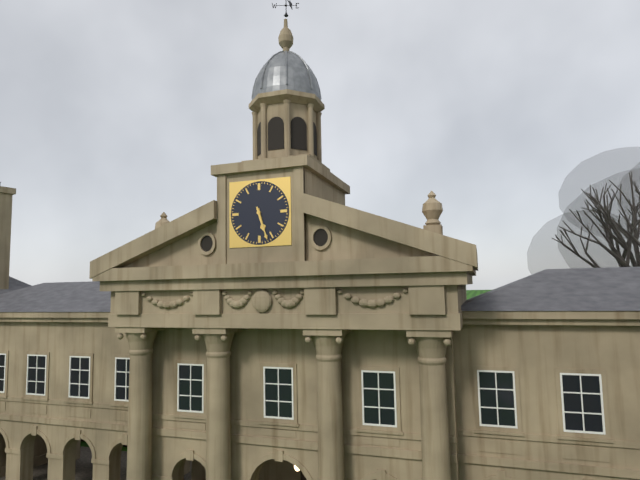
h=5 m=27
